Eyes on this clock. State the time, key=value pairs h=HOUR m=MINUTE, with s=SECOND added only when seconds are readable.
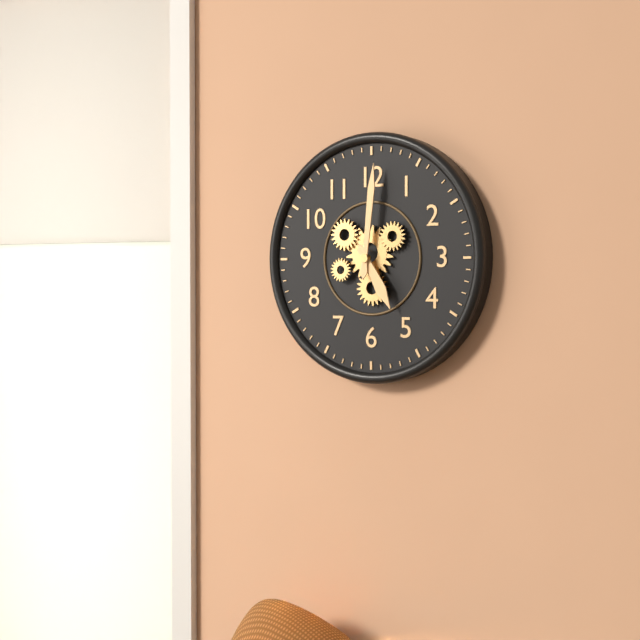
h=5 m=1
